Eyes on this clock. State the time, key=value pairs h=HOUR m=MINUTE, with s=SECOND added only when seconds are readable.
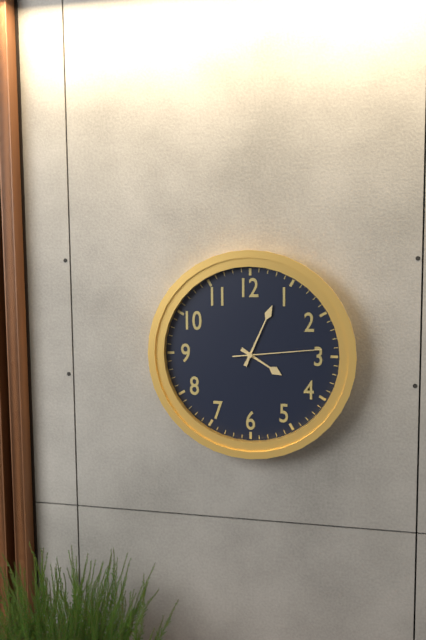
h=4 m=4 s=14
